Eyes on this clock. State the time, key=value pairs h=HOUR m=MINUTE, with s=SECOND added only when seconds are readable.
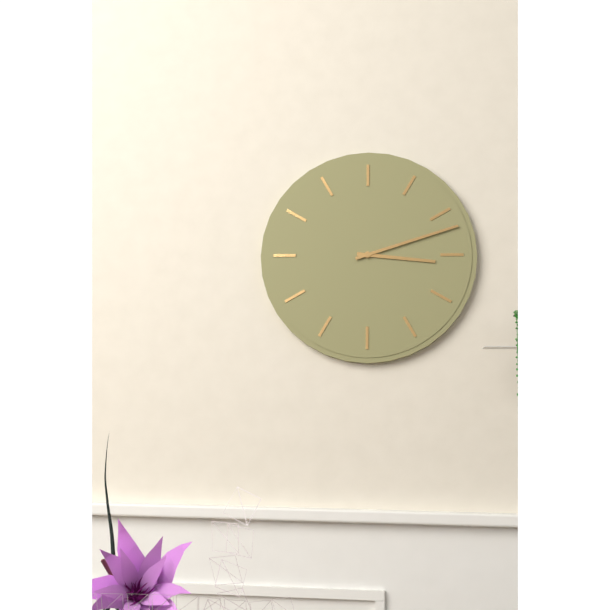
h=3 m=12
